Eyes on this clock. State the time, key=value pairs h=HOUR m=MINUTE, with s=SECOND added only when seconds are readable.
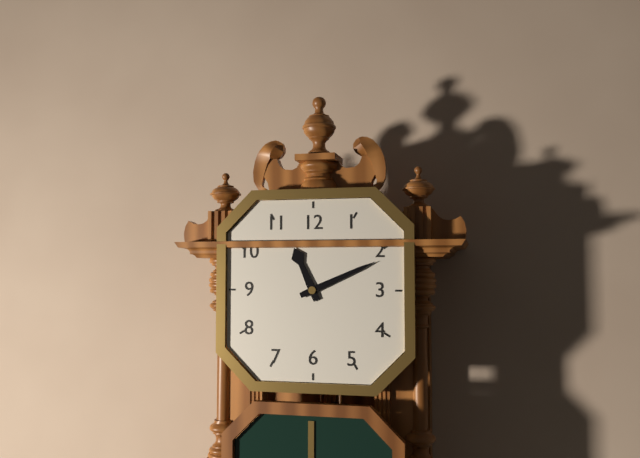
h=11 m=11
